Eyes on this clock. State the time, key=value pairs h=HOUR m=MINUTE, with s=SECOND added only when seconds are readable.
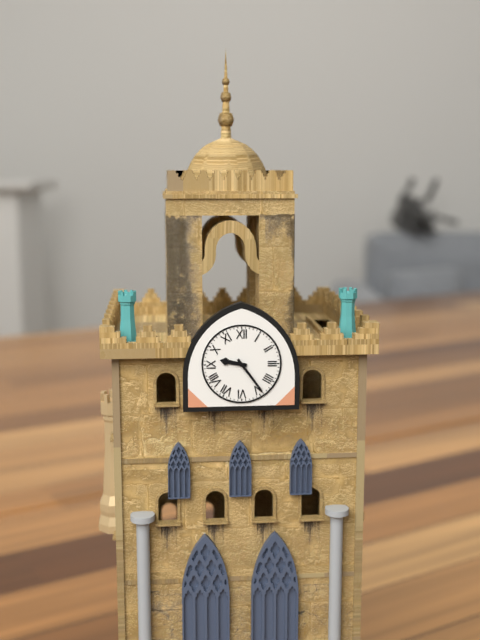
h=9 m=24
